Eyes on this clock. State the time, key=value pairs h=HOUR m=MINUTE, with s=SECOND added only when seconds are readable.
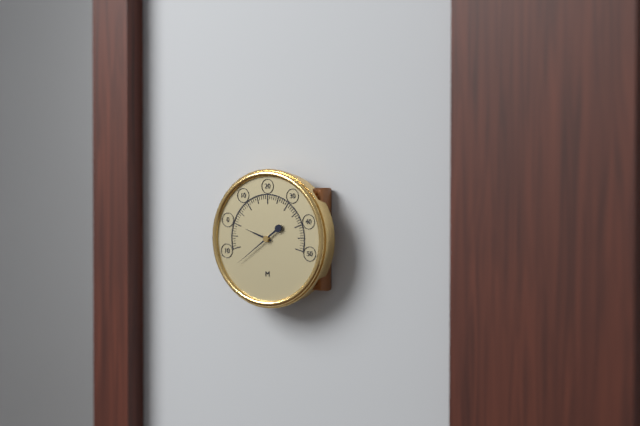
h=9 m=39
